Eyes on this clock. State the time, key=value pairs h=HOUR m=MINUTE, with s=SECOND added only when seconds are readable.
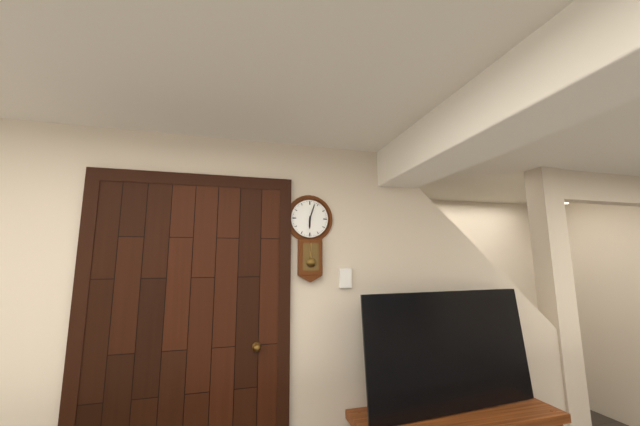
h=6 m=3
